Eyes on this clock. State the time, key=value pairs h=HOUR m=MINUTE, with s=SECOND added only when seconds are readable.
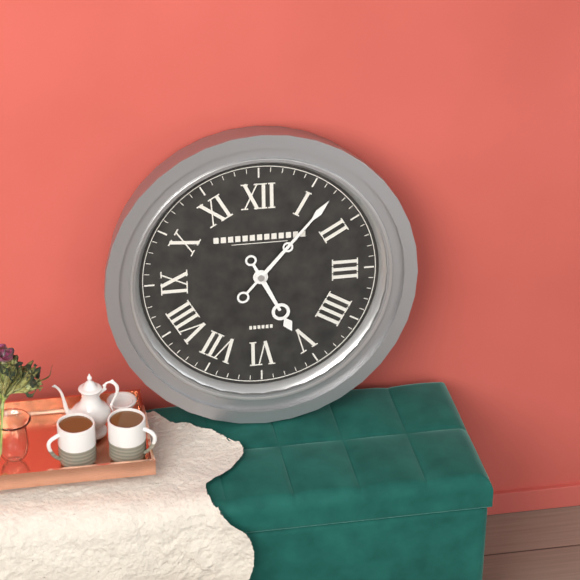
h=5 m=7
